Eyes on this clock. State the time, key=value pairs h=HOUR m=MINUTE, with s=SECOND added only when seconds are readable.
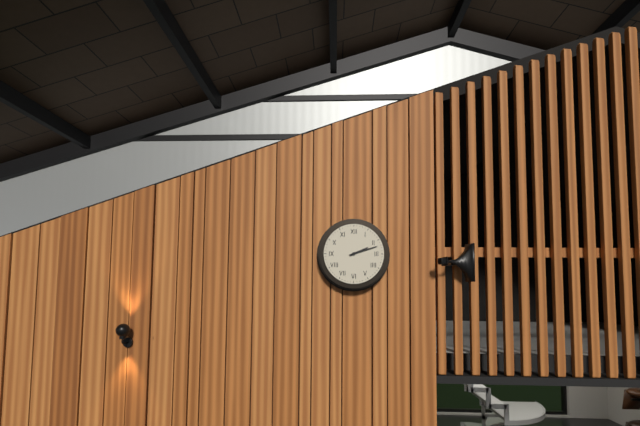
h=2 m=12
